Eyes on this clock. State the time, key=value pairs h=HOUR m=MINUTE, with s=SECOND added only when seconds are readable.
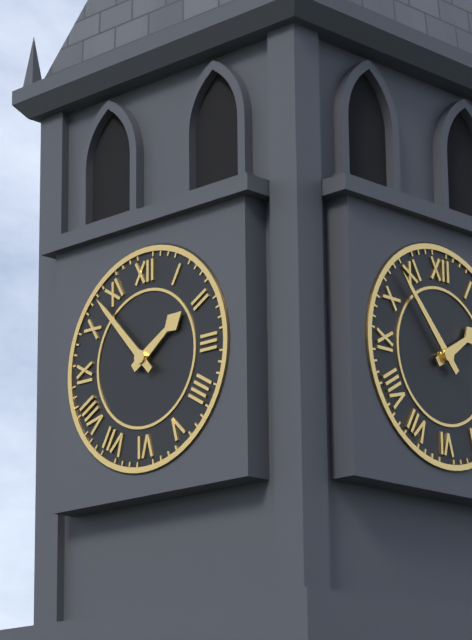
h=1 m=53
